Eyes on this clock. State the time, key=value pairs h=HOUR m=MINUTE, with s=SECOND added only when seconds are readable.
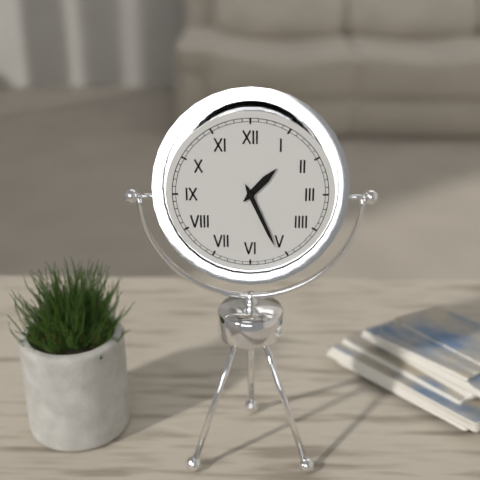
h=1 m=26
